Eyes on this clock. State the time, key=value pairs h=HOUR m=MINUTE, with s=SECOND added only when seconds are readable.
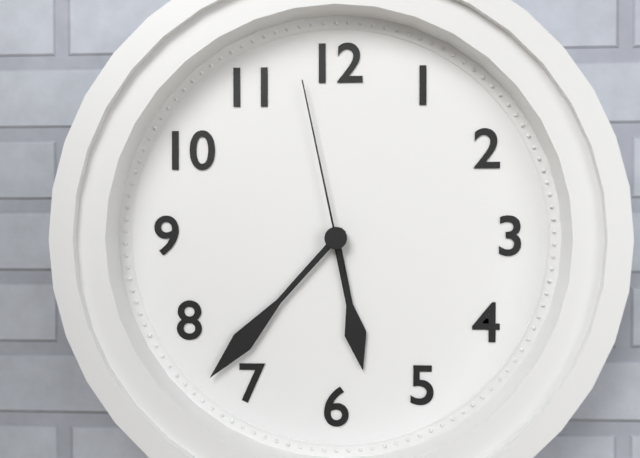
h=5 m=37 s=58
